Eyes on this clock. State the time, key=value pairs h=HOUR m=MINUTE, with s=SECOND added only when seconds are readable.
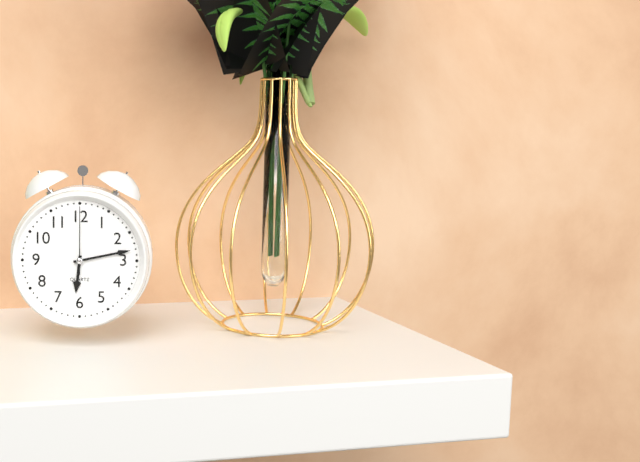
h=6 m=13 s=0
